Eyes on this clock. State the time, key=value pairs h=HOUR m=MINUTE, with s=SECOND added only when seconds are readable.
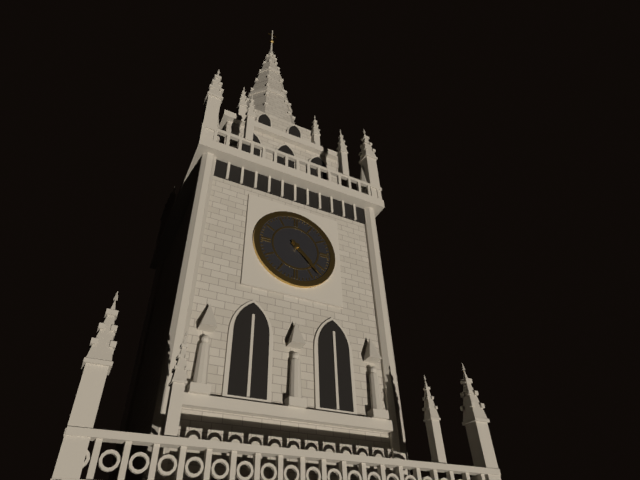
h=4 m=23
